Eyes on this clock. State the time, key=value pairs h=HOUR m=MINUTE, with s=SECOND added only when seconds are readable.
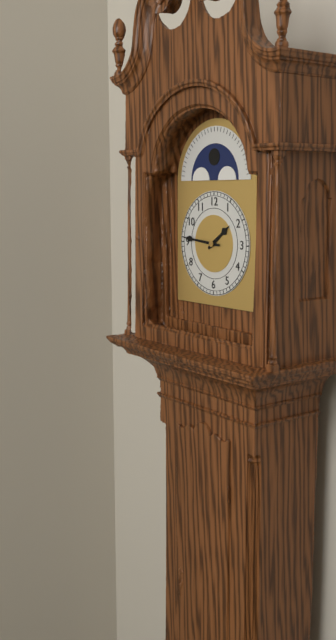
h=1 m=46
